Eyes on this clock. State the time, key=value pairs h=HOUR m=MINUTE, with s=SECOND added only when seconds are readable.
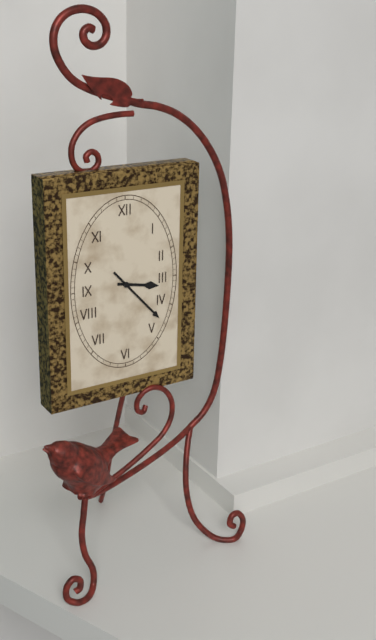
h=3 m=23
